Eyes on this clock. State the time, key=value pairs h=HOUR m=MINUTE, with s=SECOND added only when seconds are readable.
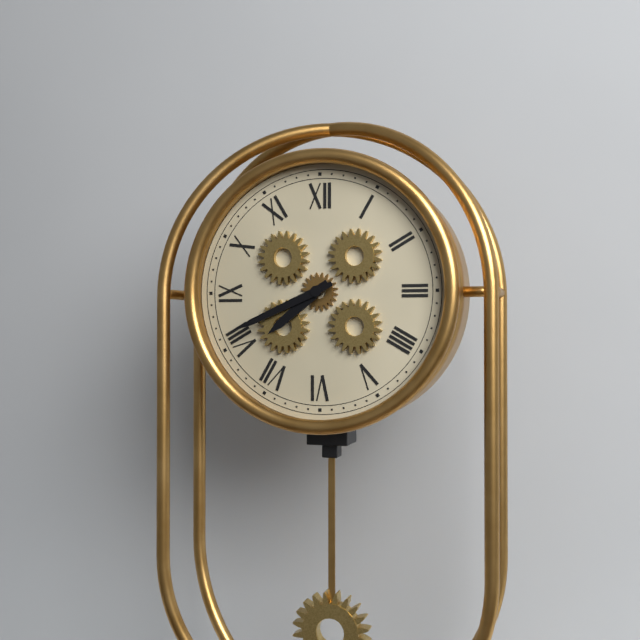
h=7 m=41
